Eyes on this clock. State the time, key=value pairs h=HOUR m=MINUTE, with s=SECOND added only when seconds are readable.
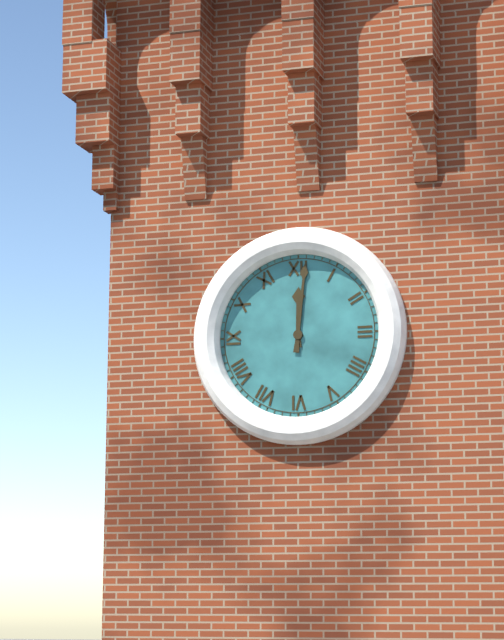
h=12 m=1
